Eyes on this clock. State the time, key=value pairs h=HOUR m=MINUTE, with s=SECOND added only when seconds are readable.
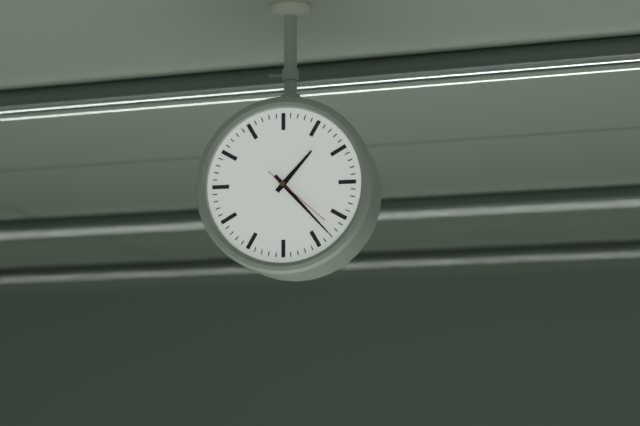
h=1 m=23 s=22
